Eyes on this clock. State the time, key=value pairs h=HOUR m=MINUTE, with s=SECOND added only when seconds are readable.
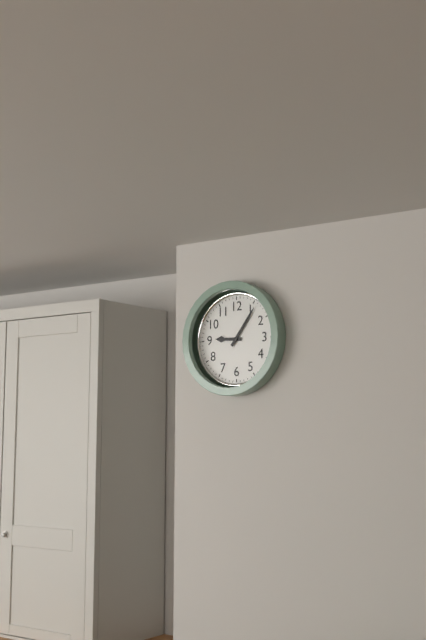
h=9 m=6
